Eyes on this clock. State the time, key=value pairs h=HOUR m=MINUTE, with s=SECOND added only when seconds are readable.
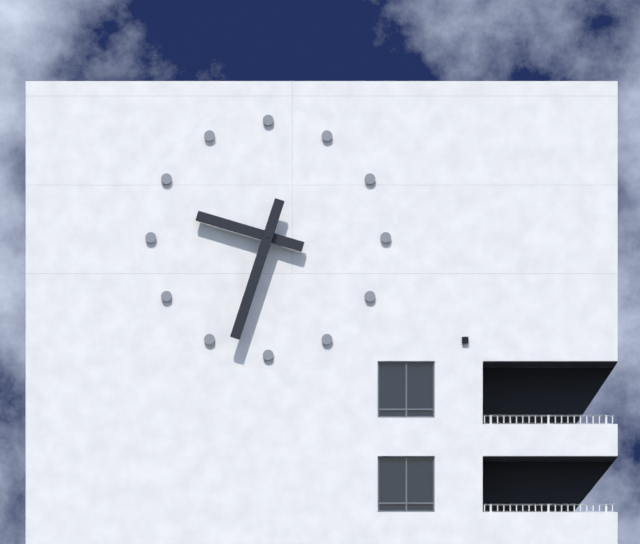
h=9 m=33
